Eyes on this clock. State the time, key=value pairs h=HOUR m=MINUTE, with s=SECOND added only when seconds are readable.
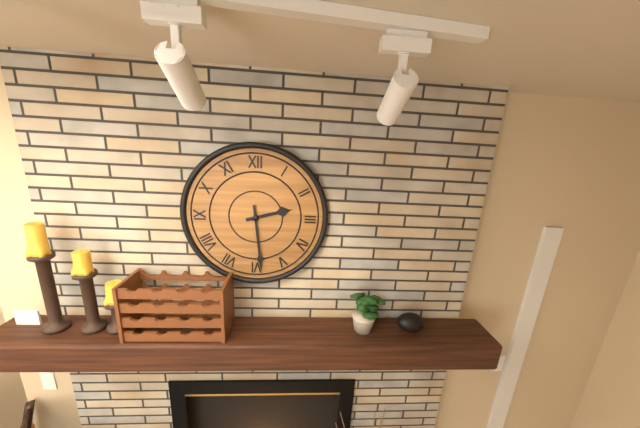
h=2 m=29
